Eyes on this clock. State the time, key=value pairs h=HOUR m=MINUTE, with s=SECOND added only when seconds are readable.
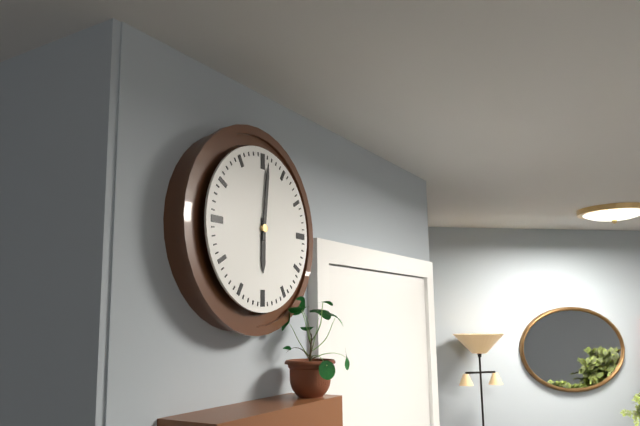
h=6 m=1
